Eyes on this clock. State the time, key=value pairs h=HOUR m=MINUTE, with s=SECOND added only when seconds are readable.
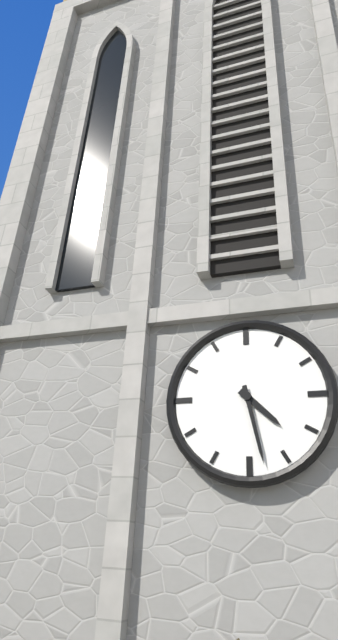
h=4 m=28
